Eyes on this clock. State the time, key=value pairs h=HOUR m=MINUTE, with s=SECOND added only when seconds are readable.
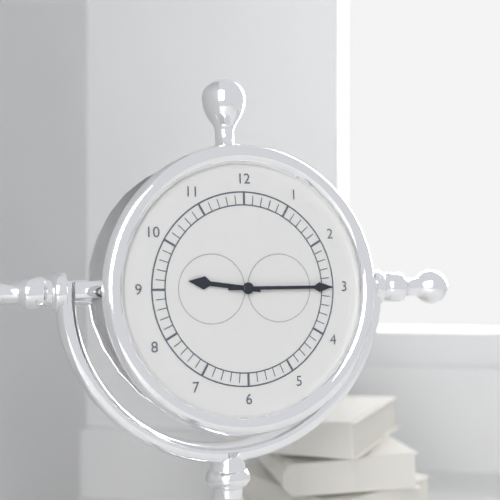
h=9 m=15
